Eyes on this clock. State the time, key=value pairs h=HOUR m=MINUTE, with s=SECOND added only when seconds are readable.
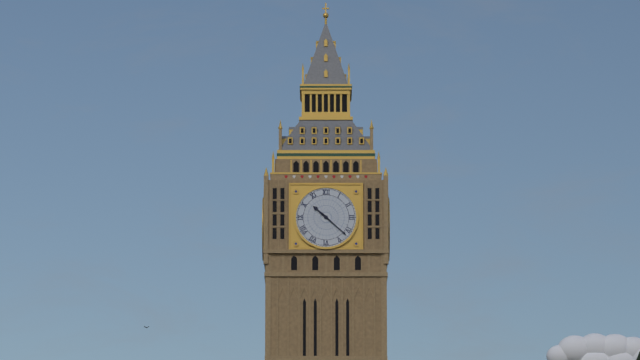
h=10 m=22
